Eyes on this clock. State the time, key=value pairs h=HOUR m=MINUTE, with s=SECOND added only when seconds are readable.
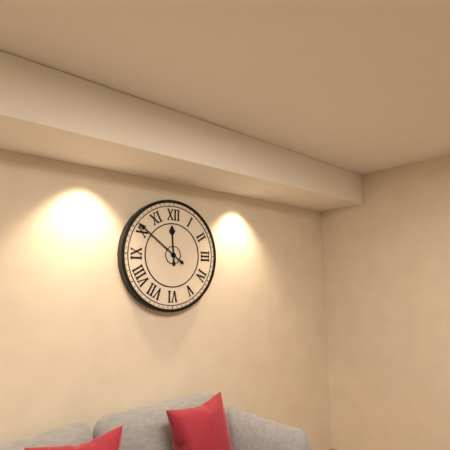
h=11 m=51
